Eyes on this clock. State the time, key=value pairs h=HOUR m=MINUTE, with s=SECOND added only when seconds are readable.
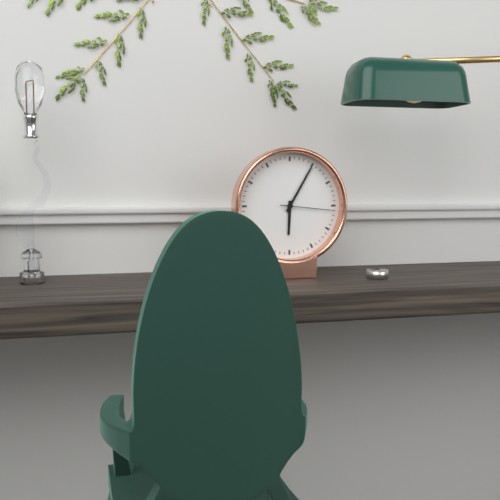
h=6 m=5 s=16
